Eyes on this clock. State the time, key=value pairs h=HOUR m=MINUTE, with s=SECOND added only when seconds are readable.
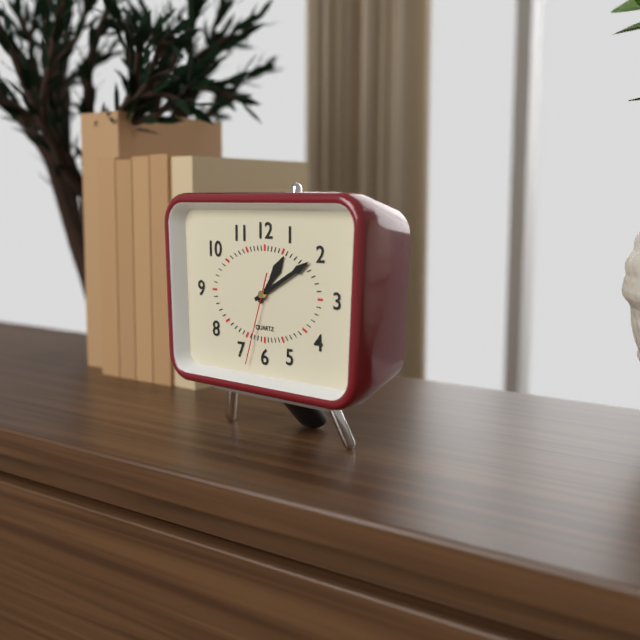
h=1 m=10 s=33
